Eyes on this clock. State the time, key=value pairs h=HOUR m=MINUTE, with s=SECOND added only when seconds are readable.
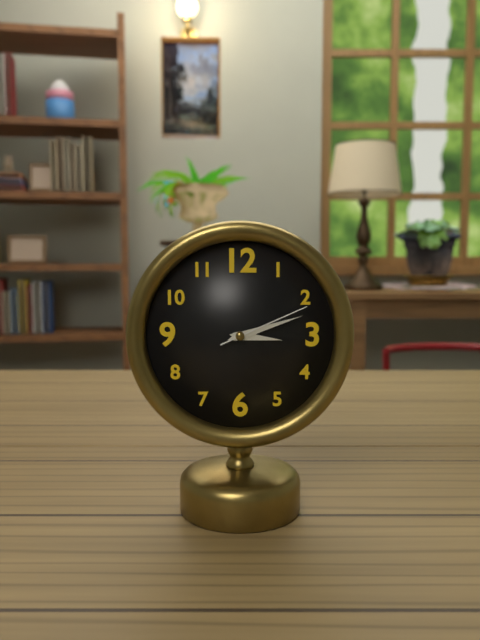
h=3 m=12 s=11
